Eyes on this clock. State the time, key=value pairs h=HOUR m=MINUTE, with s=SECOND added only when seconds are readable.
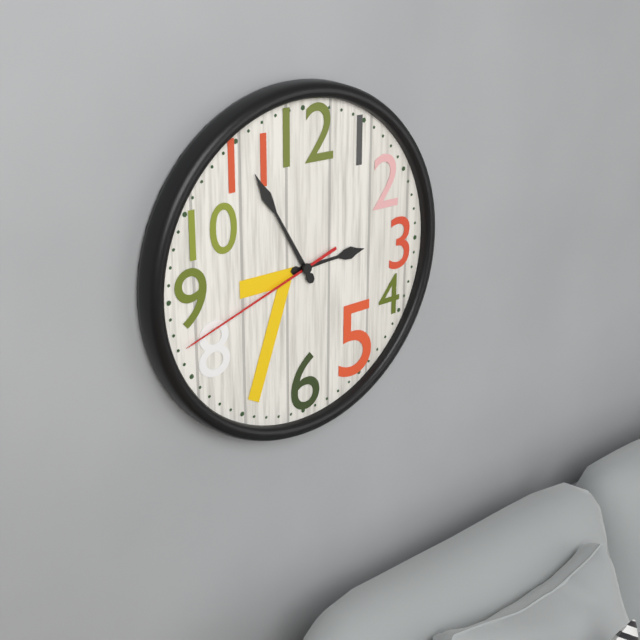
h=2 m=55 s=42
